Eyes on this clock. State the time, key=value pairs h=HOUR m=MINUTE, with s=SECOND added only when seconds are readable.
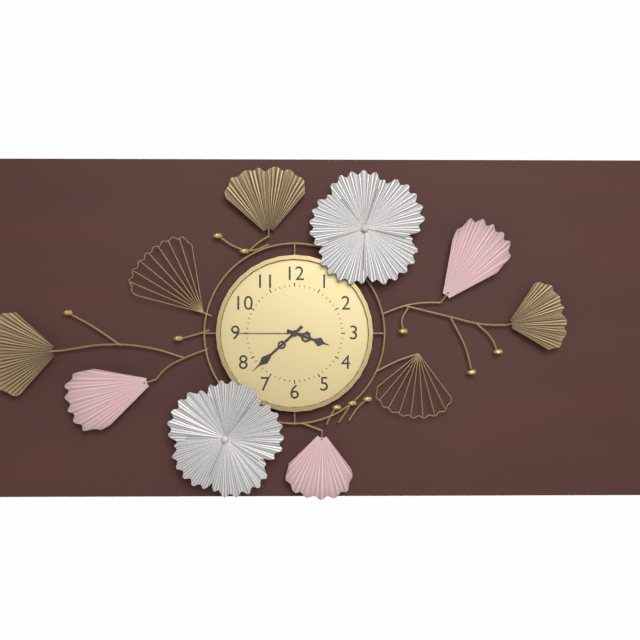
h=3 m=38 s=45
